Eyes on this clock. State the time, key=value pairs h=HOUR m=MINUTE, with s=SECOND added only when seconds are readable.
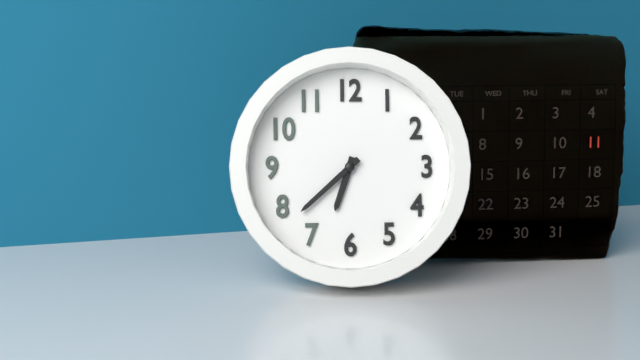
h=6 m=38
